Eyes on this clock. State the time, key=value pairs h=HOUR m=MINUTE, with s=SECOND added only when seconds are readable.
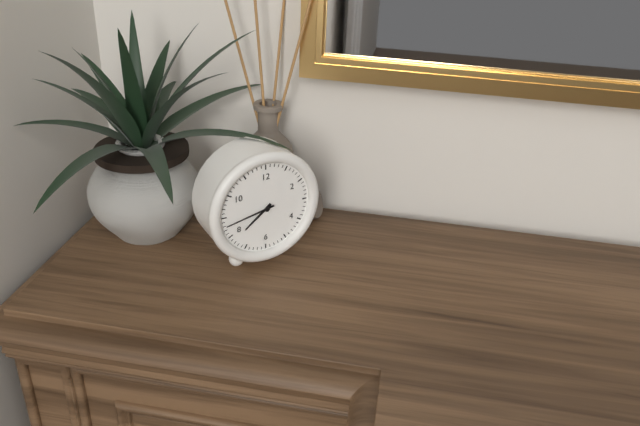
h=7 m=43
